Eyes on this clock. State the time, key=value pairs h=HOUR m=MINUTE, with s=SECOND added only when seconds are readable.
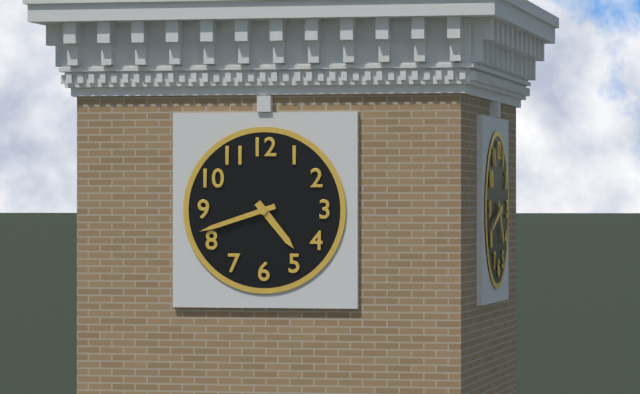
h=4 m=42
